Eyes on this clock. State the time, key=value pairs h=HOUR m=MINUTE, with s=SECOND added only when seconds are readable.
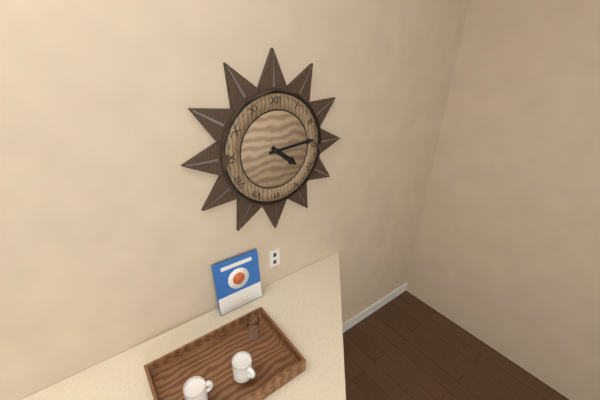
h=4 m=14
